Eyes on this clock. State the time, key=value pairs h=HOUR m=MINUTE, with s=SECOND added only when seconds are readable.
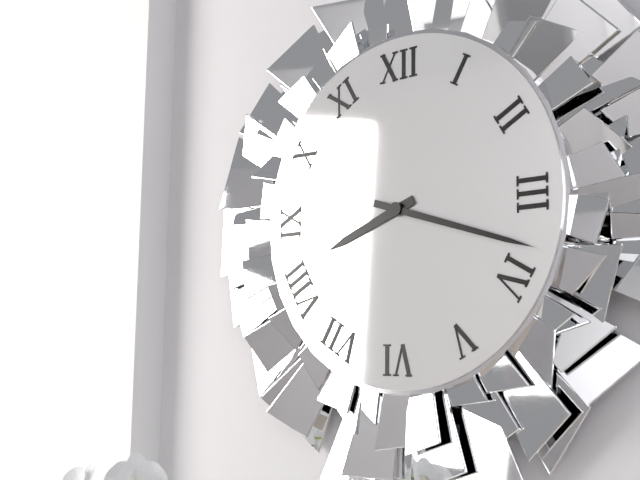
h=8 m=18
